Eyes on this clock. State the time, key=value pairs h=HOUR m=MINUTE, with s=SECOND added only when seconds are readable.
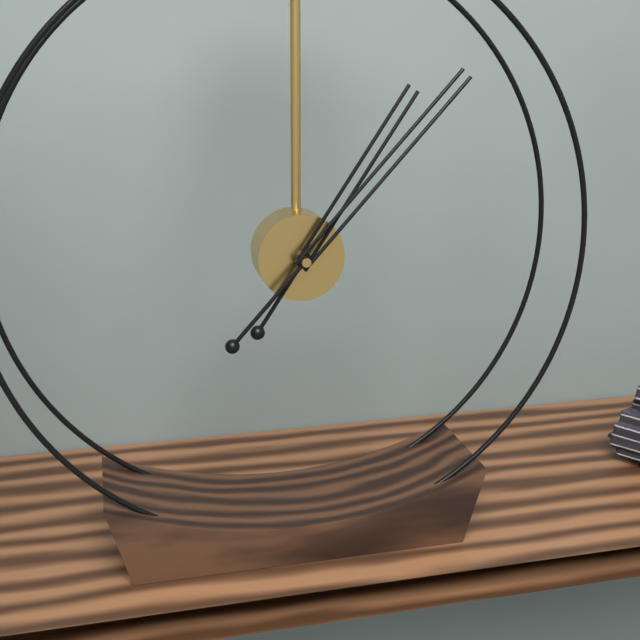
h=1 m=7
